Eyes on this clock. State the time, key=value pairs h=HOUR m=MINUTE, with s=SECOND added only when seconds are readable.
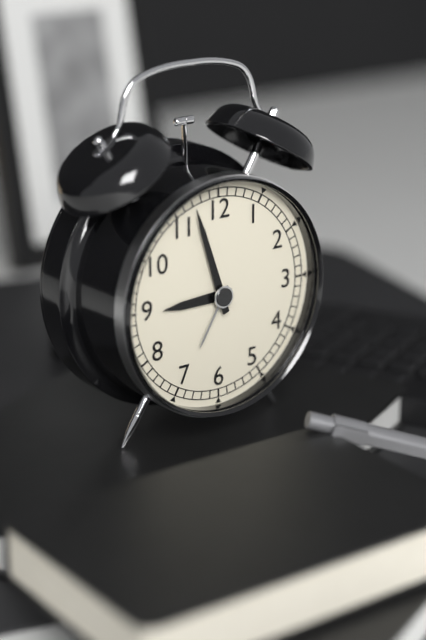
h=8 m=57
